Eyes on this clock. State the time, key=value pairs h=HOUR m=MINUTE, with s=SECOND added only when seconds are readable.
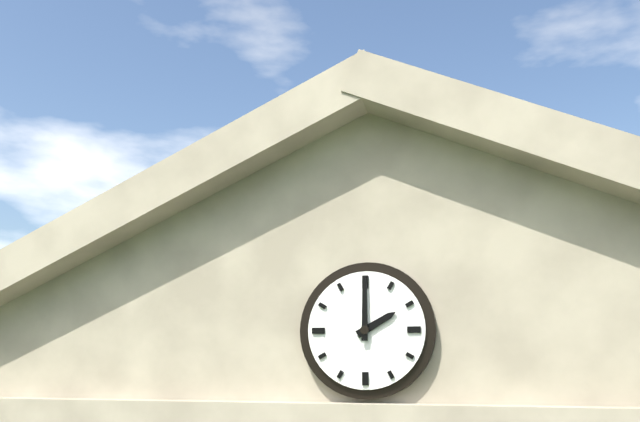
h=2 m=0
